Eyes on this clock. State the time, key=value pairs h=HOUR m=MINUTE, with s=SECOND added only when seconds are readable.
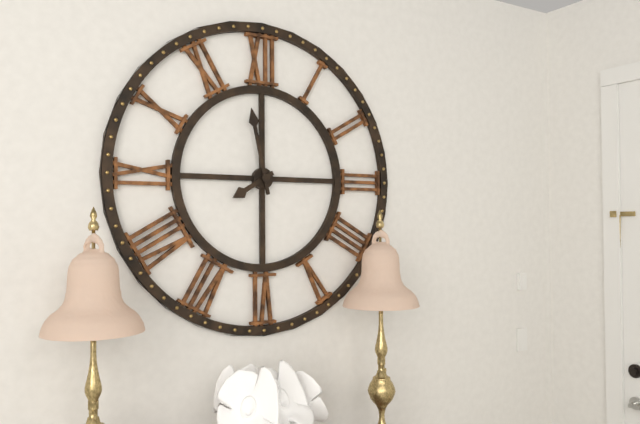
h=7 m=58
